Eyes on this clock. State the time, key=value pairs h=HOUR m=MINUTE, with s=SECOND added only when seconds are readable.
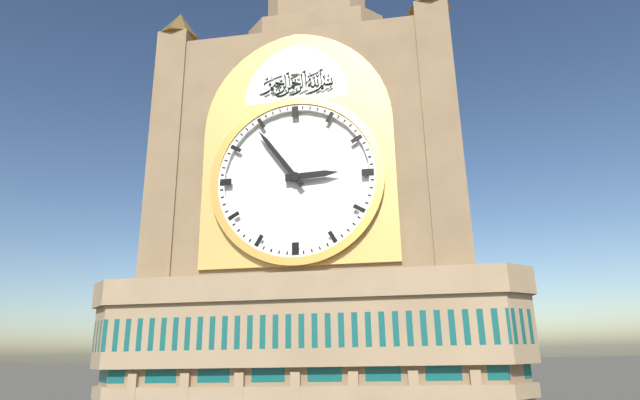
h=2 m=54
